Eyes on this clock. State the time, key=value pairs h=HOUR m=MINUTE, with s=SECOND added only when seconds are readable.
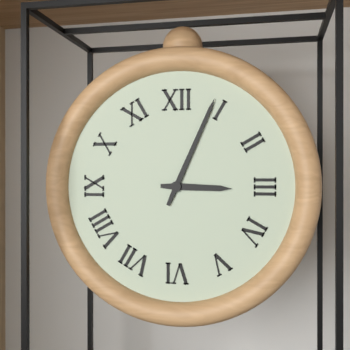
h=3 m=4
